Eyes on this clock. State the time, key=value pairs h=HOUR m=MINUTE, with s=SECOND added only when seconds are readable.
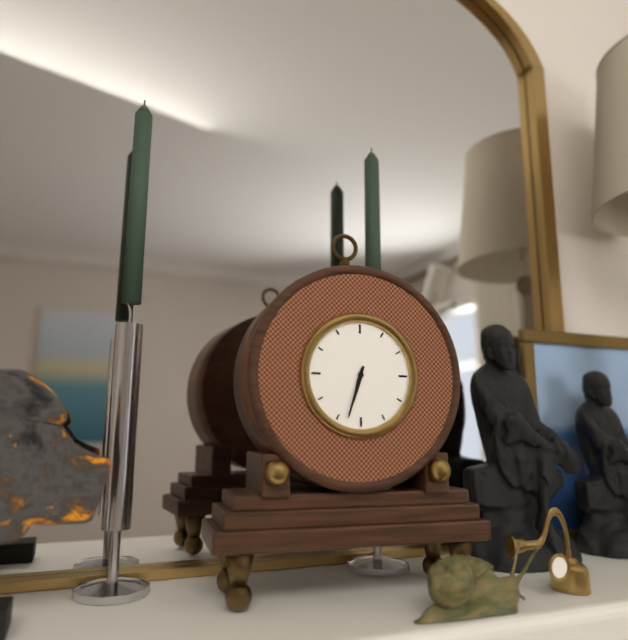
h=6 m=33
